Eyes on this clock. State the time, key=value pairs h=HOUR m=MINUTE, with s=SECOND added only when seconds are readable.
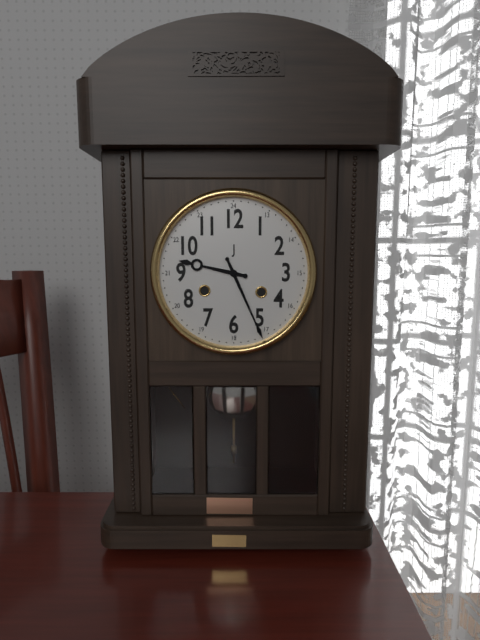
h=9 m=26
